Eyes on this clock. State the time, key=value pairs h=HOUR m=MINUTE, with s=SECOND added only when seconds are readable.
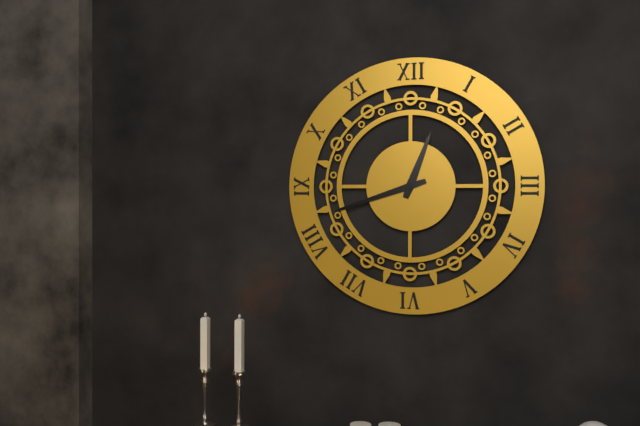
h=12 m=42
